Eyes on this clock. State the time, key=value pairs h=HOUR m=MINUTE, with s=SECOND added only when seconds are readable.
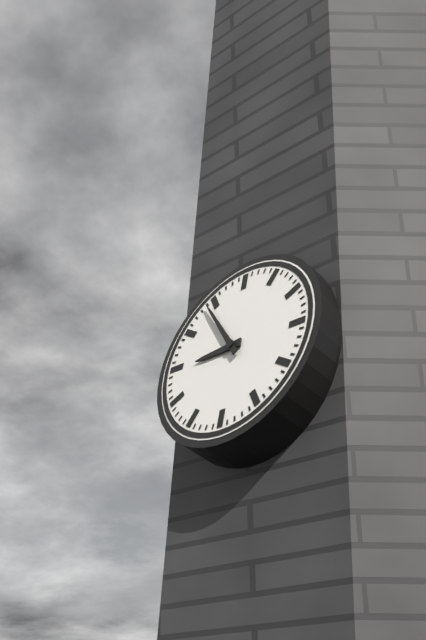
h=8 m=54
